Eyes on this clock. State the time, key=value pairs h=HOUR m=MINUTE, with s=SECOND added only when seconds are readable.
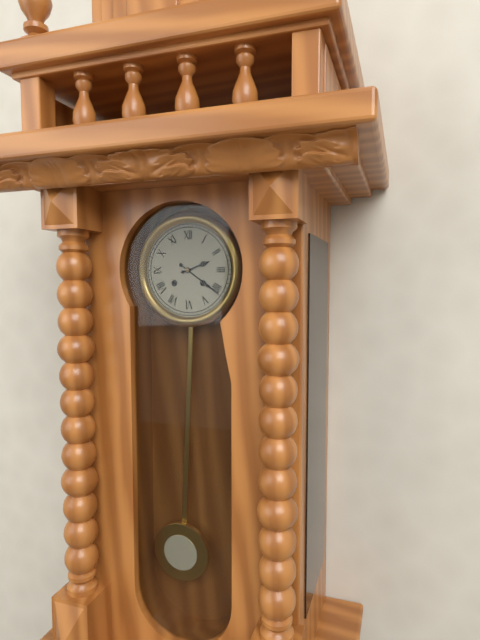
h=2 m=21
